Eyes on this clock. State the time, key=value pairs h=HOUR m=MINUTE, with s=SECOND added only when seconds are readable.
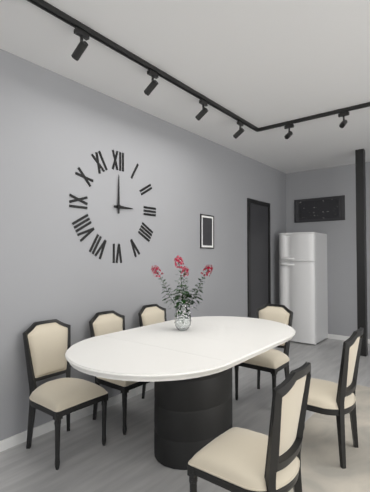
h=3 m=0
